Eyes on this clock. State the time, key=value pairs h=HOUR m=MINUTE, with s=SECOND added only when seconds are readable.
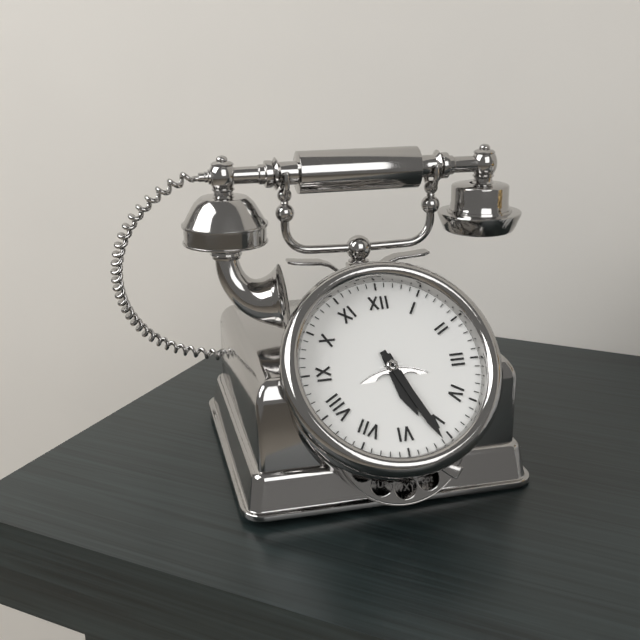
h=5 m=26
